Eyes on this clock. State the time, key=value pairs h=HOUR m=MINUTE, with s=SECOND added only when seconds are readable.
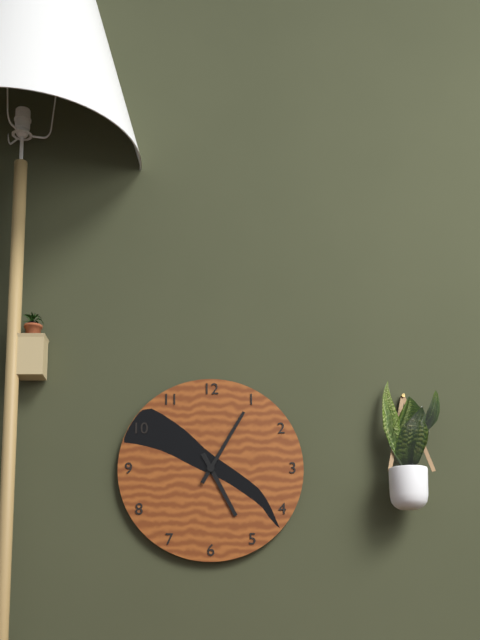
h=5 m=5
